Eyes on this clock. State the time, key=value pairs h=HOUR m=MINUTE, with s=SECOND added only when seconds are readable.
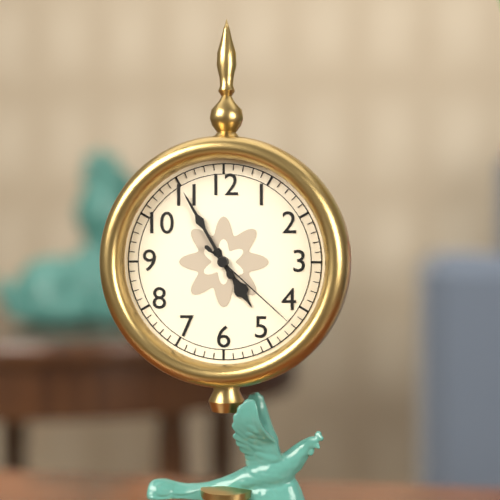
h=4 m=55 s=22
